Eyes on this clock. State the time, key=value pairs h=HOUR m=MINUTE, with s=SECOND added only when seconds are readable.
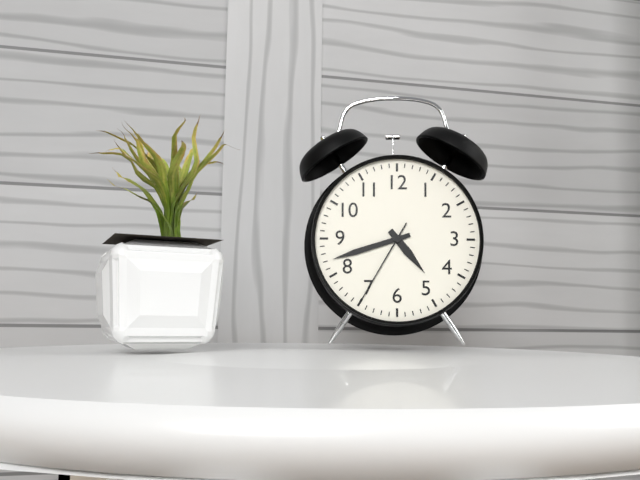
h=4 m=42 s=35
